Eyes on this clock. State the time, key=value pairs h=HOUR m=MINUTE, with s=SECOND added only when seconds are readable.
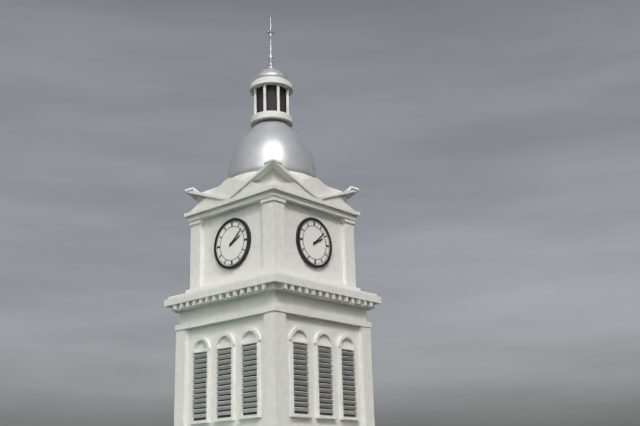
h=2 m=8
